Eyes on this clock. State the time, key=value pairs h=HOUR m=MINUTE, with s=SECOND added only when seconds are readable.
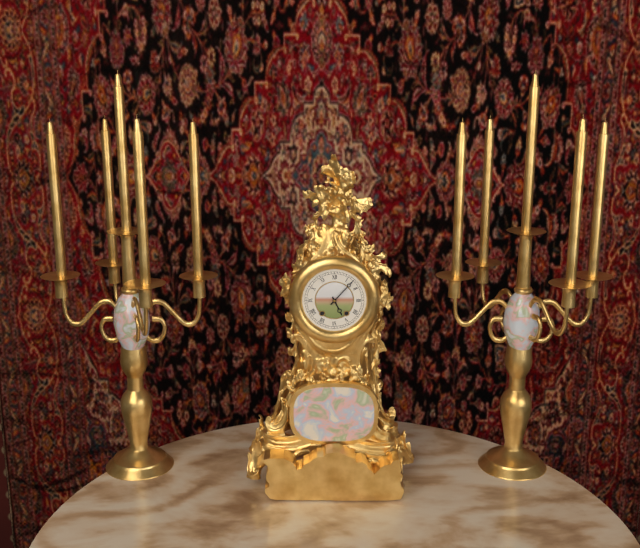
h=5 m=7
